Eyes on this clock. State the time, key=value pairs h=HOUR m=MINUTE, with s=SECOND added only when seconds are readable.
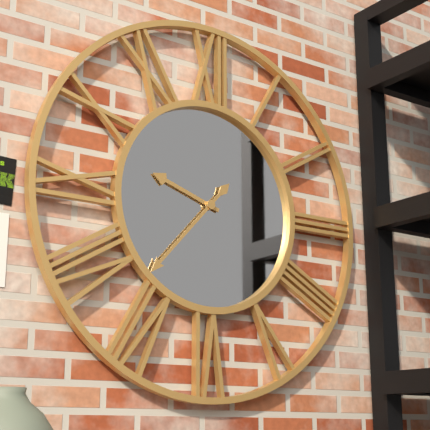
h=9 m=37
